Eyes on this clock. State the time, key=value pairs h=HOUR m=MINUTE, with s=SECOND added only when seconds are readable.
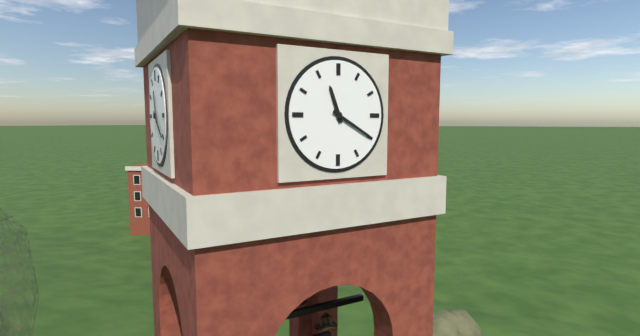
h=11 m=20
